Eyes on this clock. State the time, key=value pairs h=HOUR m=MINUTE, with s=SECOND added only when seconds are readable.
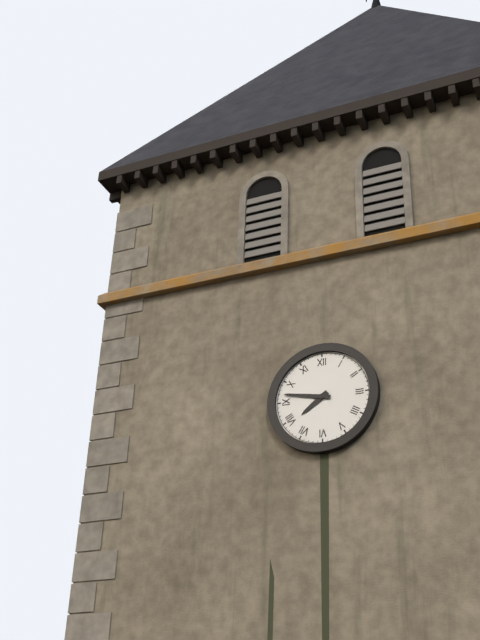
h=7 m=47
